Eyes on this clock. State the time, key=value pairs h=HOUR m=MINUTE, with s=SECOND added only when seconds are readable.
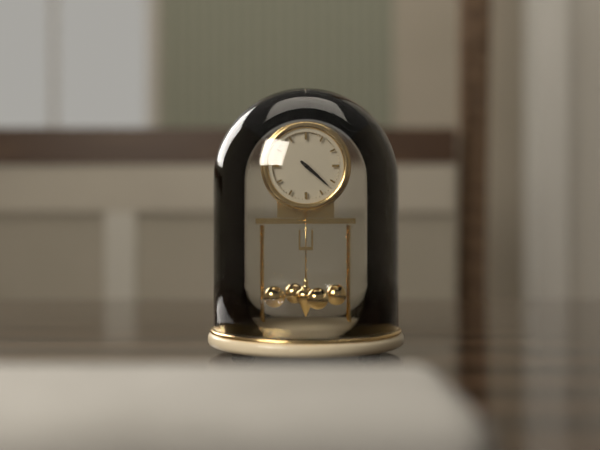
h=4 m=22
